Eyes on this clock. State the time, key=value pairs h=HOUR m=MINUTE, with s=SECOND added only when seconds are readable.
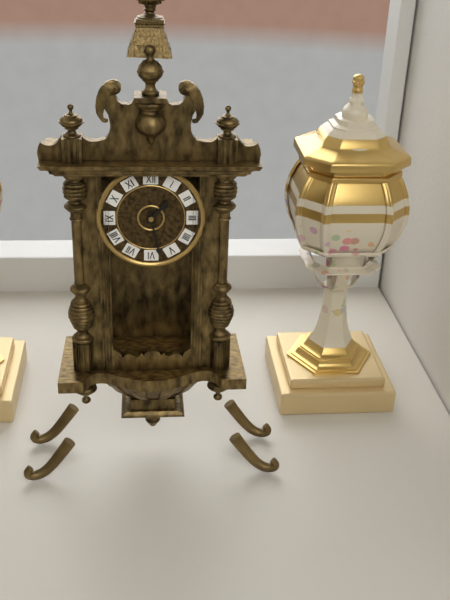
h=1 m=28
